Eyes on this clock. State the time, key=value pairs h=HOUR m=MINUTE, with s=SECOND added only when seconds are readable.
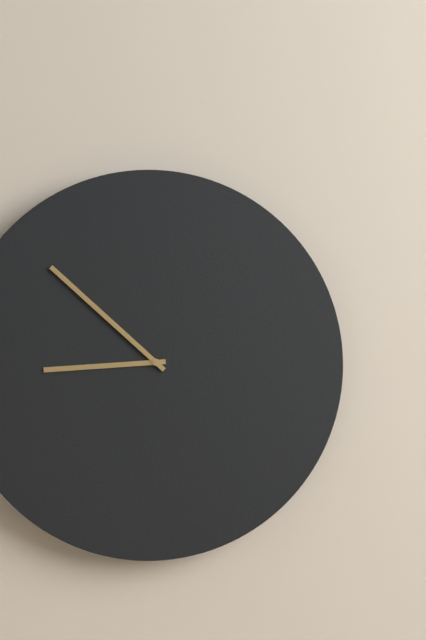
h=8 m=52
